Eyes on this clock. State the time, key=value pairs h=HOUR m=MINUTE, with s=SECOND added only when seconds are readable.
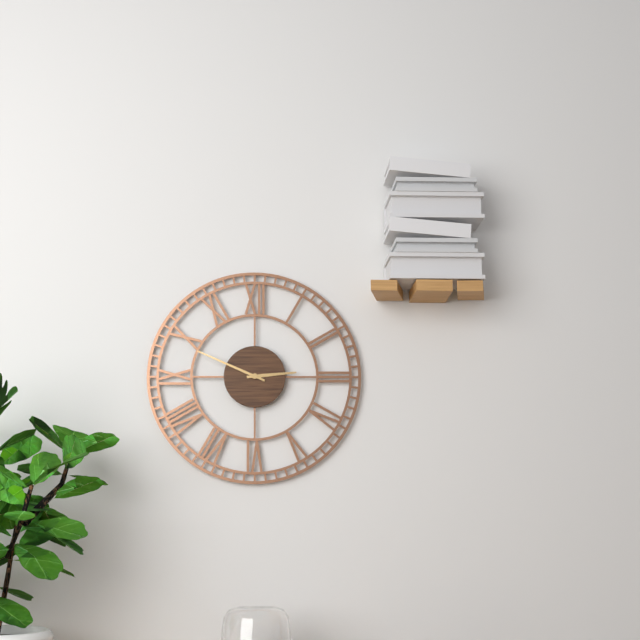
h=2 m=49
